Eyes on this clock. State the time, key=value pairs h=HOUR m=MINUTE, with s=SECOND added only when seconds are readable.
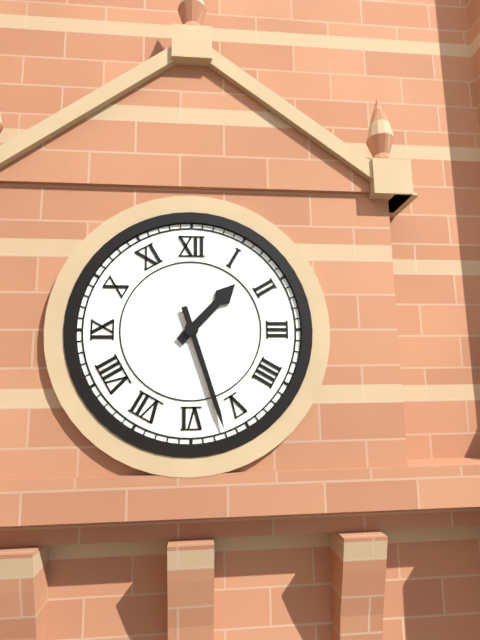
h=1 m=27
